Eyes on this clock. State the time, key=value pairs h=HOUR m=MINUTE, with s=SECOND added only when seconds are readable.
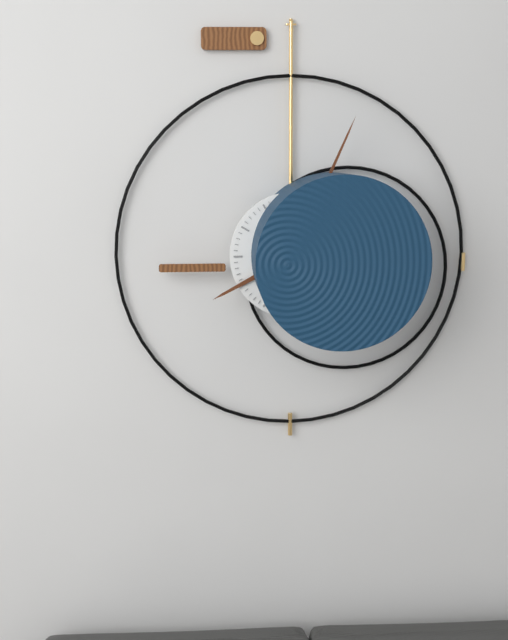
h=8 m=4
